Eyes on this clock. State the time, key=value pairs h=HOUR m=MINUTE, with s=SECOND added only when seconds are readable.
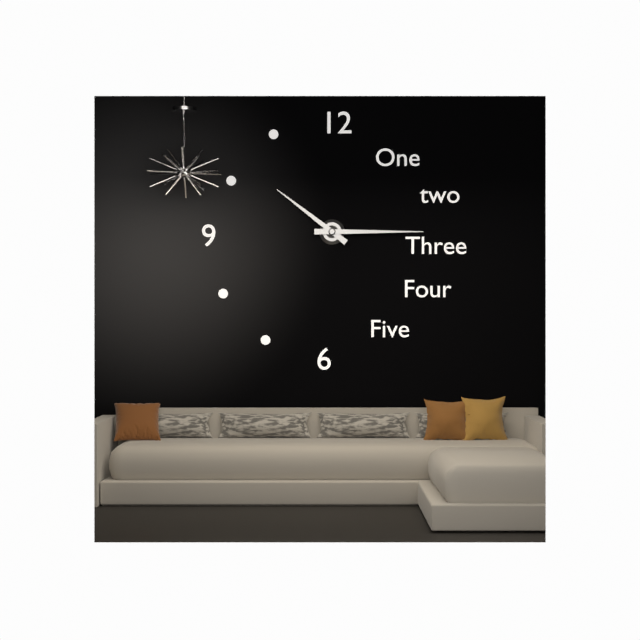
h=10 m=15
